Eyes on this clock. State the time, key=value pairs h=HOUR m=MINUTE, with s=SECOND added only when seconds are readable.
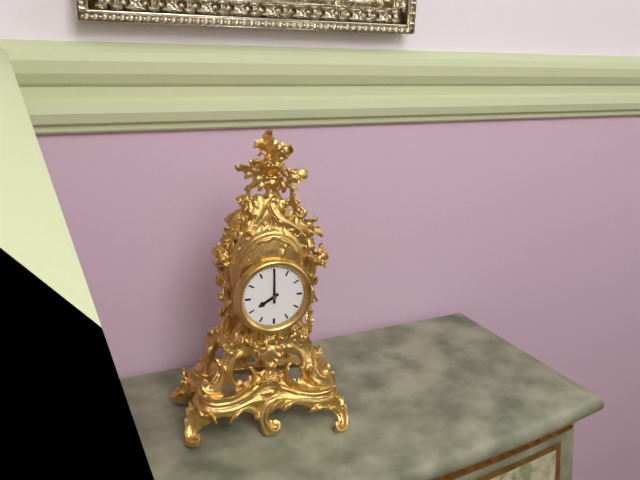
h=8 m=0
